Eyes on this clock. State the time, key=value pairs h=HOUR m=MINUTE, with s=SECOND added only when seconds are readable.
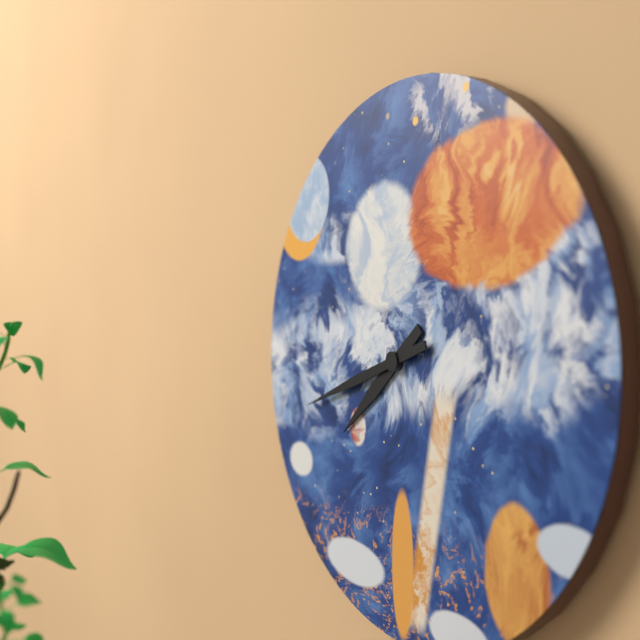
h=7 m=42
